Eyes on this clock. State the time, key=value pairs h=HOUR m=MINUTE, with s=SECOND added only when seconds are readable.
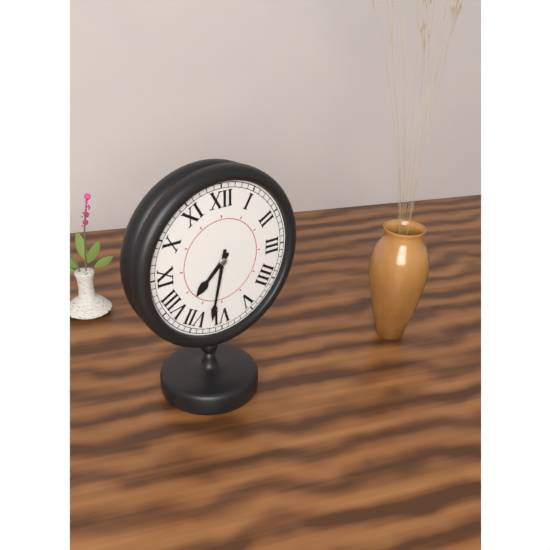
h=7 m=32
